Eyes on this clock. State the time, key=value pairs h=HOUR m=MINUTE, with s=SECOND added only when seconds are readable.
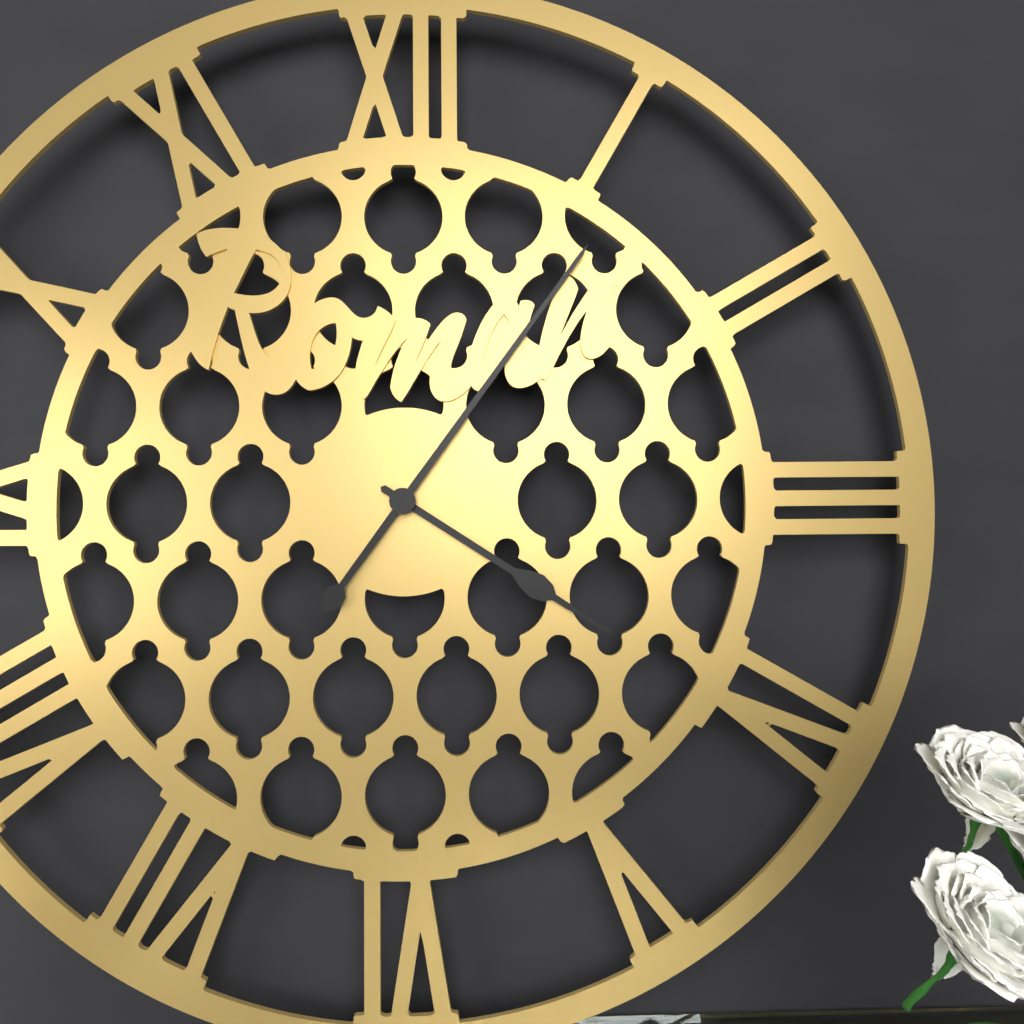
h=4 m=6
